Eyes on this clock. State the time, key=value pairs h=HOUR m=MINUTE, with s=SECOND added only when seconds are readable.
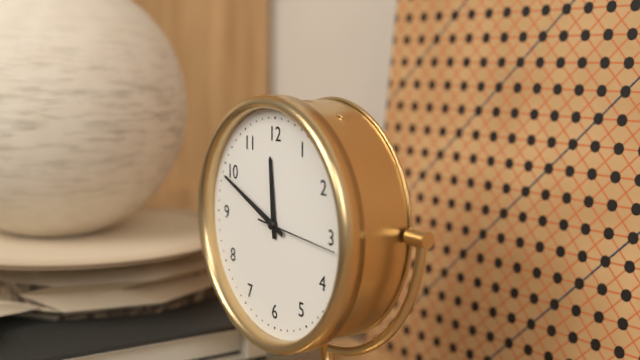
h=11 m=49 s=16
